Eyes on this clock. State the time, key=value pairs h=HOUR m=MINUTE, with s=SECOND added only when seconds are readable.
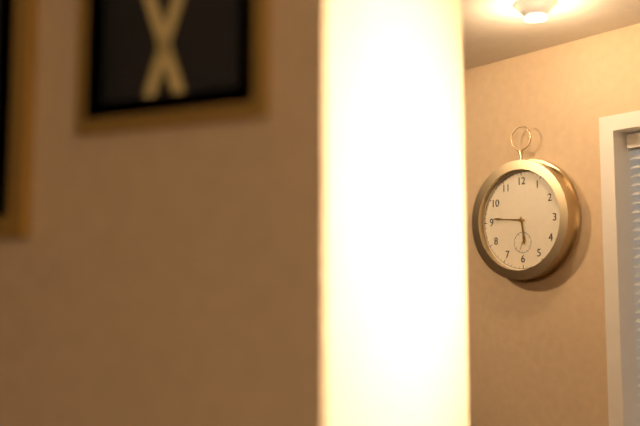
h=5 m=46
